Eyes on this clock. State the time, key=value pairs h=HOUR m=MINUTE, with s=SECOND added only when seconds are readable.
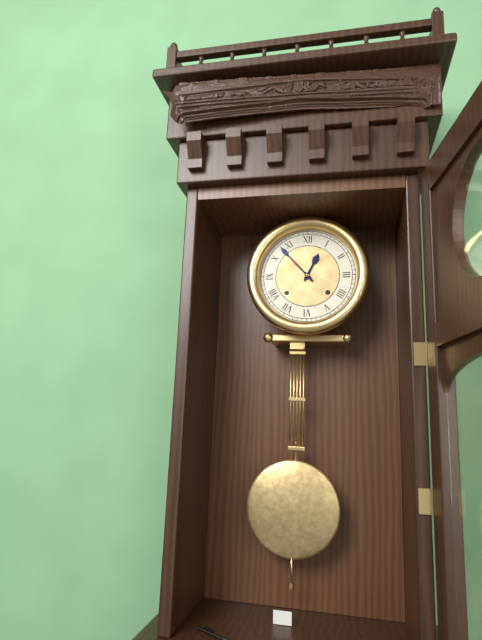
h=12 m=53
